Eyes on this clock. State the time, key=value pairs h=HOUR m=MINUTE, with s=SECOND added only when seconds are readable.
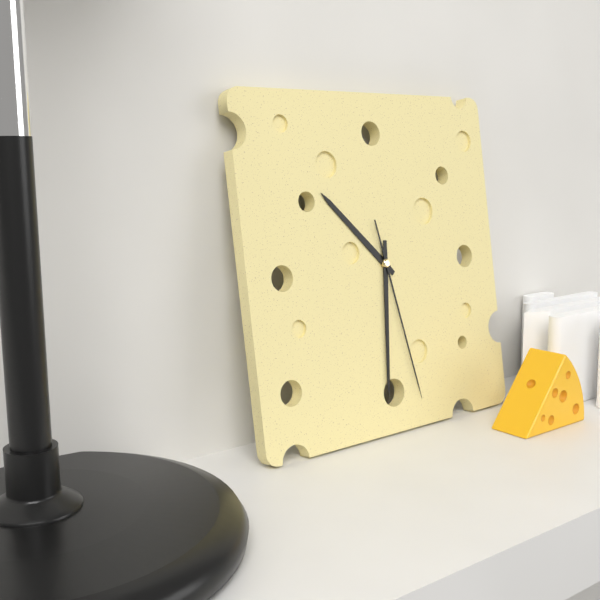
h=10 m=31 s=28
